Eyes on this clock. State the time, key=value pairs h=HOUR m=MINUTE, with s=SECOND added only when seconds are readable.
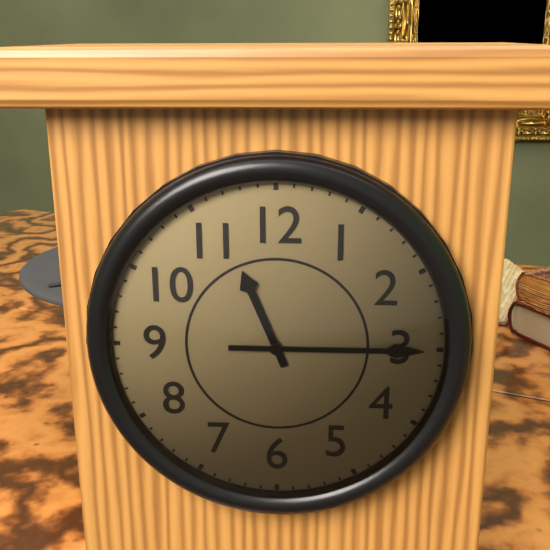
h=11 m=15
